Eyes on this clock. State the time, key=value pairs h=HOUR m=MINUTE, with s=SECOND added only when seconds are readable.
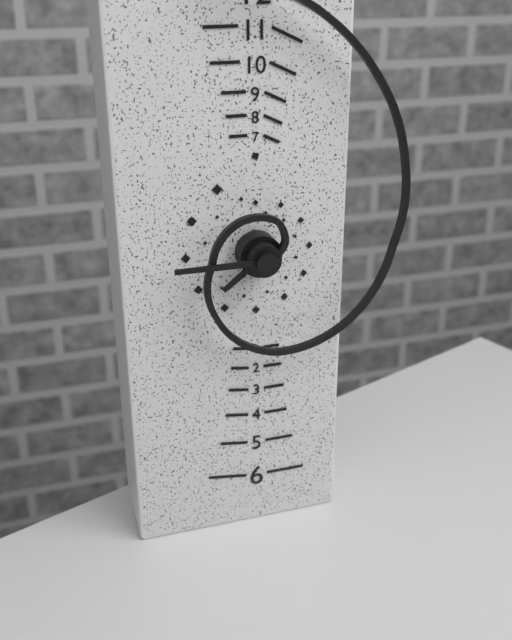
h=7 m=45
